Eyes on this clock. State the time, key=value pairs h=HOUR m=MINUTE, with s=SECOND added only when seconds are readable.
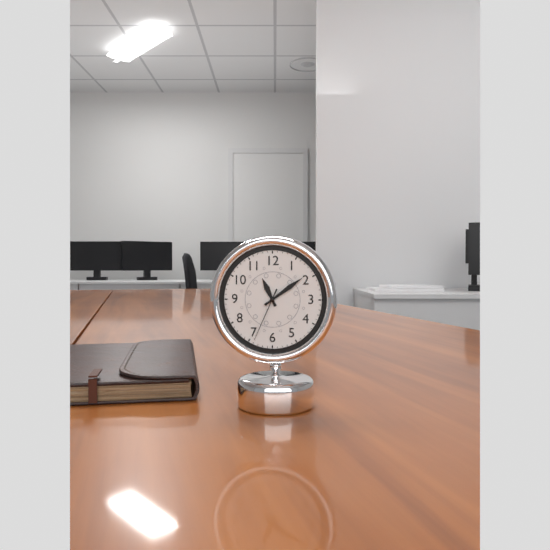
h=11 m=9 s=34
